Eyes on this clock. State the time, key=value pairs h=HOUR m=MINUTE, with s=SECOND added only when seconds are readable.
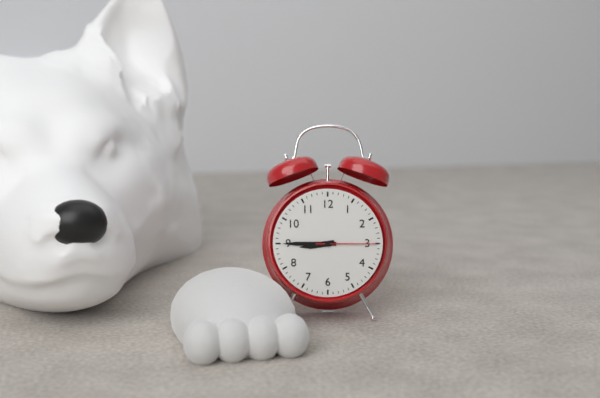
h=8 m=45 s=15
